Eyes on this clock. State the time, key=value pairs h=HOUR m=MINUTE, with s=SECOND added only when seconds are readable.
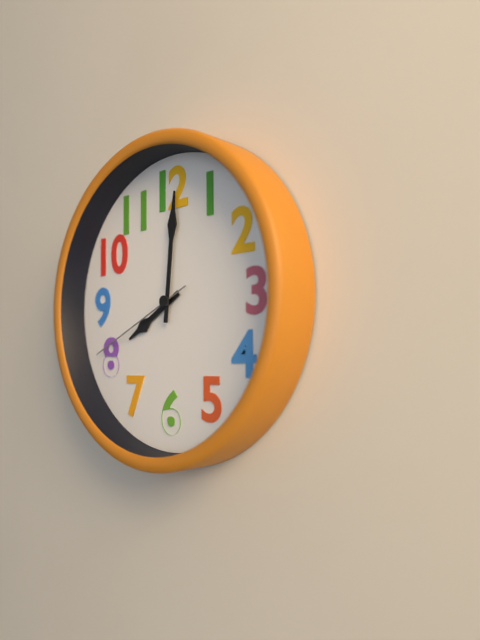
h=8 m=1 s=41
